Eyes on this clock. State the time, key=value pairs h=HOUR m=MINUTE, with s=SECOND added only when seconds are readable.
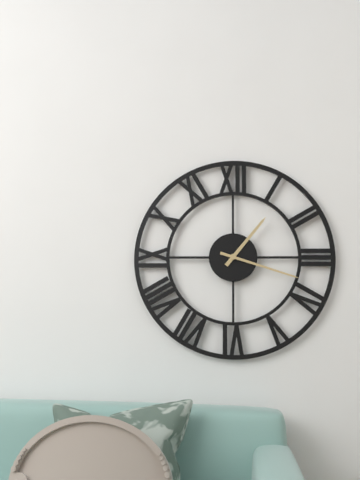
h=1 m=18
